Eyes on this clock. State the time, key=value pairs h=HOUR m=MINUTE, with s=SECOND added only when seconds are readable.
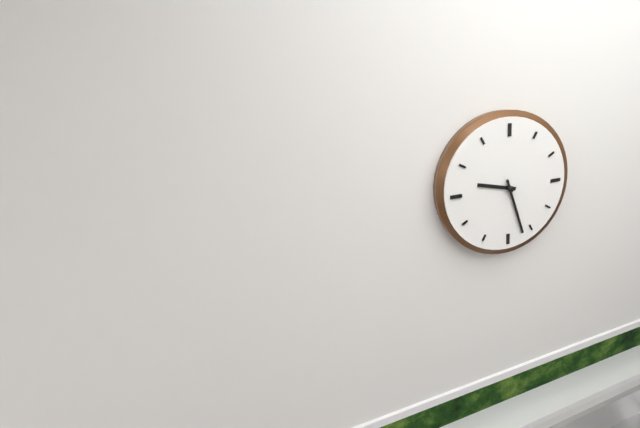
h=9 m=27
